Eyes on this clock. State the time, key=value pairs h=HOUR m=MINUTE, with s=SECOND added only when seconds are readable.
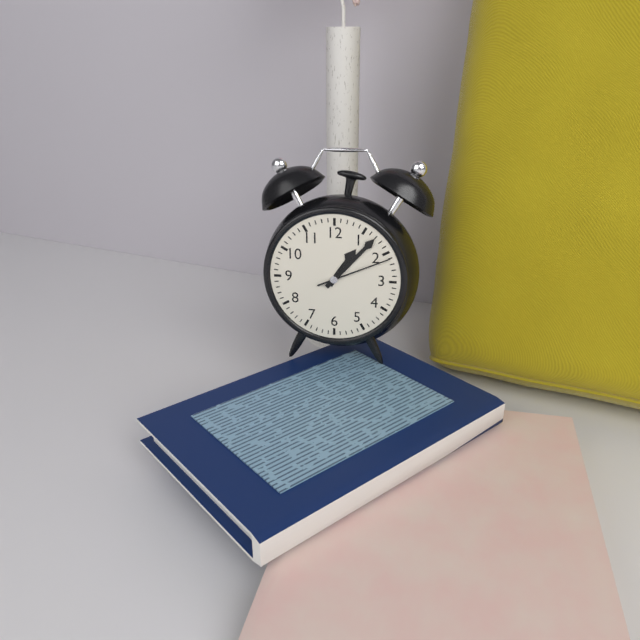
h=1 m=7 s=11
